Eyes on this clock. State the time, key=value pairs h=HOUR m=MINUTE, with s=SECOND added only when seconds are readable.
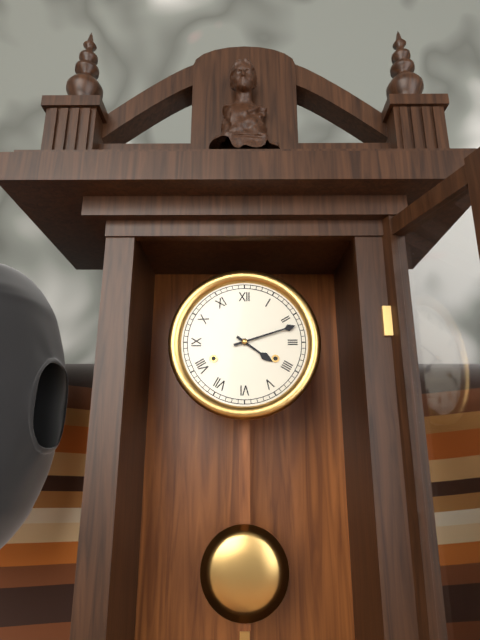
h=4 m=12
